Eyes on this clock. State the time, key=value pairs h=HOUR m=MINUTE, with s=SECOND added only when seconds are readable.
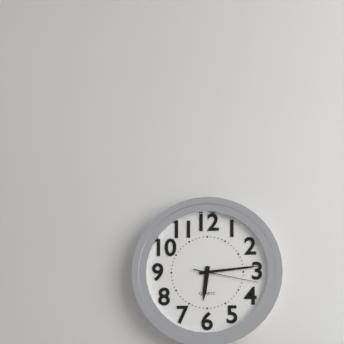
h=6 m=14 s=17
